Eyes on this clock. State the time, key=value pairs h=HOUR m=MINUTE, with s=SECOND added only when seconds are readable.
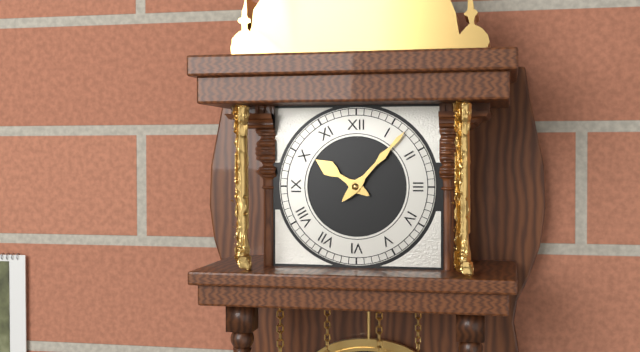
h=10 m=7
